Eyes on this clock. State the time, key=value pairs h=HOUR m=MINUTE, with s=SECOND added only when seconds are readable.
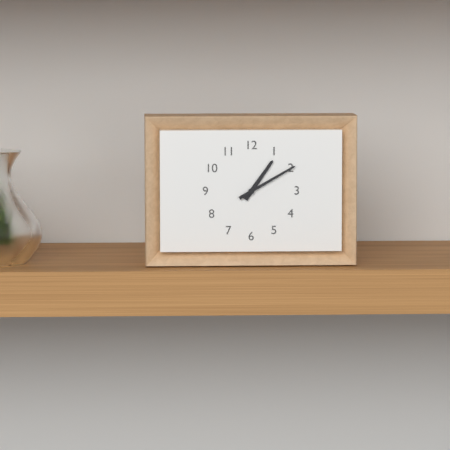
h=1 m=10
